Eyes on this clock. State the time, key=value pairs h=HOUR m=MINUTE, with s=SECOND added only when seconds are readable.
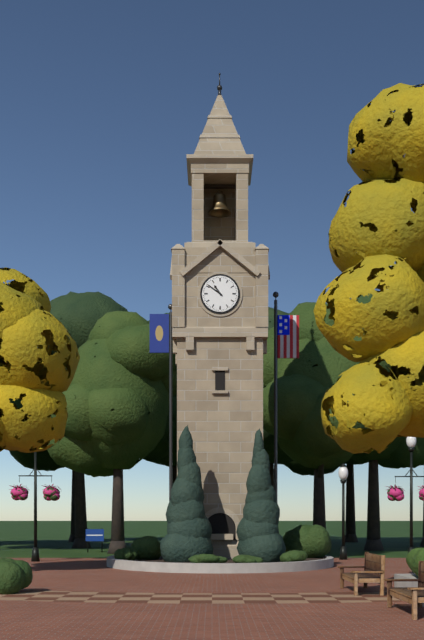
h=10 m=51
